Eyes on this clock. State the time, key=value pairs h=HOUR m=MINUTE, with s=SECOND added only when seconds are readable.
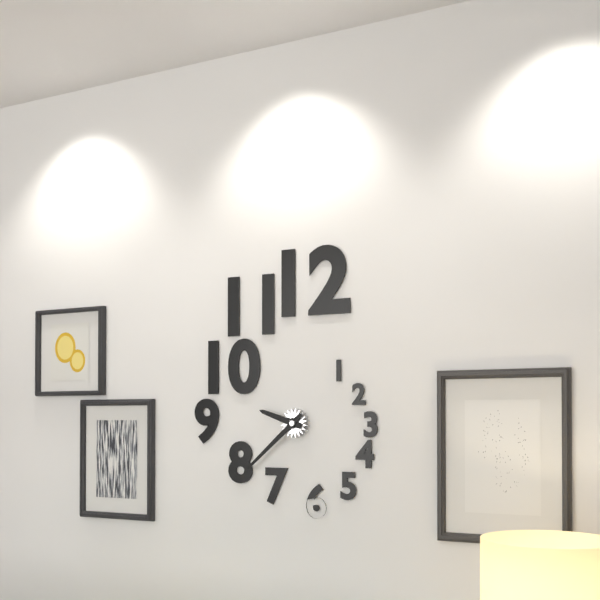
h=9 m=38
